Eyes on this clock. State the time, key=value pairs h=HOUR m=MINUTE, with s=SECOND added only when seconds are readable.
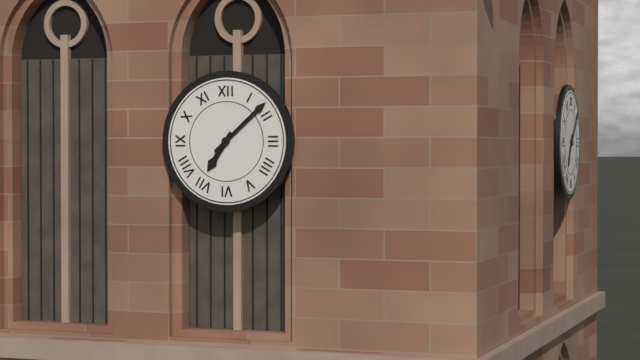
h=7 m=8
